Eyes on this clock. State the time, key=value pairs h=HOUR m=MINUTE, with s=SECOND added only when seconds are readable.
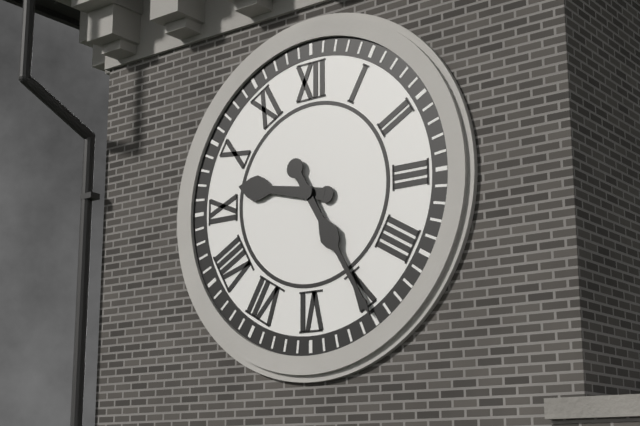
h=9 m=25
